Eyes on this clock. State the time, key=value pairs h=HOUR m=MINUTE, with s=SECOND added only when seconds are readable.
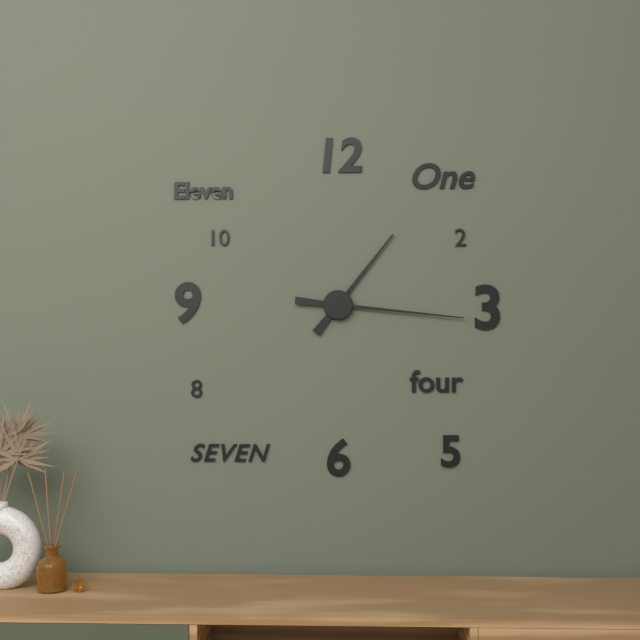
h=1 m=16
